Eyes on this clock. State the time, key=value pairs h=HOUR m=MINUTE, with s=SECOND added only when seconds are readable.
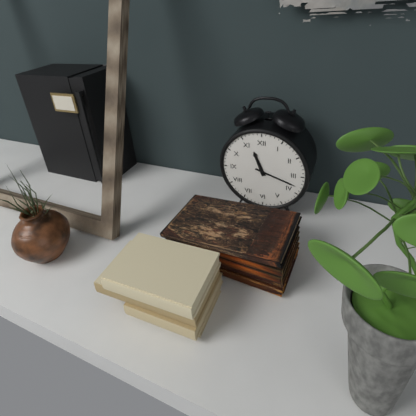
h=11 m=18
